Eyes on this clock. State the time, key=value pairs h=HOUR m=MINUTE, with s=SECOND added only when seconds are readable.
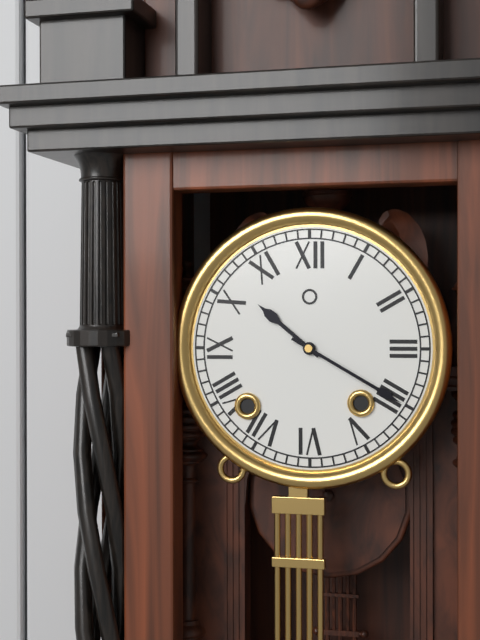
h=10 m=20
